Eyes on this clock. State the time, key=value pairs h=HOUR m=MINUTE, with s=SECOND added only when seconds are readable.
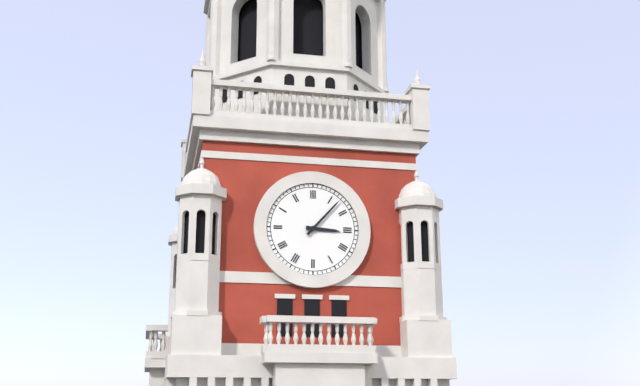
h=3 m=7
